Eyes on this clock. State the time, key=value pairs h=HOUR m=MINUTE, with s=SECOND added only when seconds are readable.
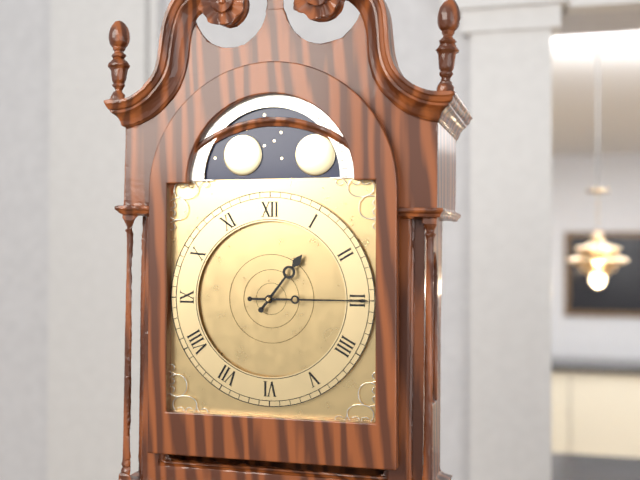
h=1 m=15
